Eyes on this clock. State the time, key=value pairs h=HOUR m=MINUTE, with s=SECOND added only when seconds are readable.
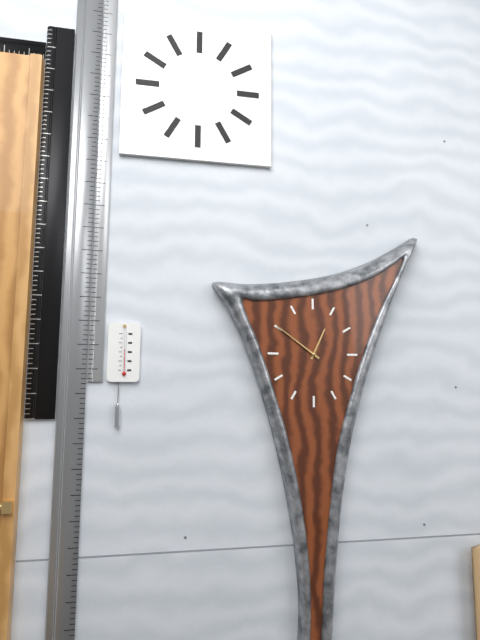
h=12 m=51
